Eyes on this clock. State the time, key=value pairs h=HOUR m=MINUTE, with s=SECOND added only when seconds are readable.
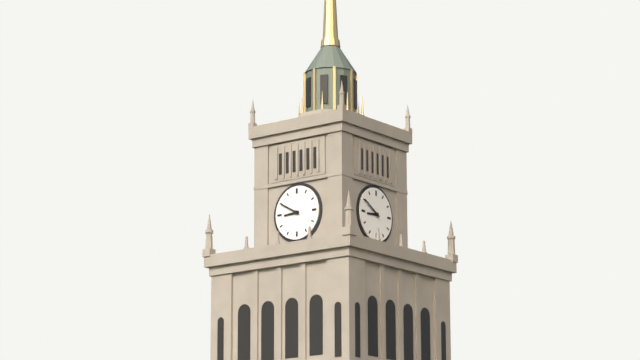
h=8 m=50
